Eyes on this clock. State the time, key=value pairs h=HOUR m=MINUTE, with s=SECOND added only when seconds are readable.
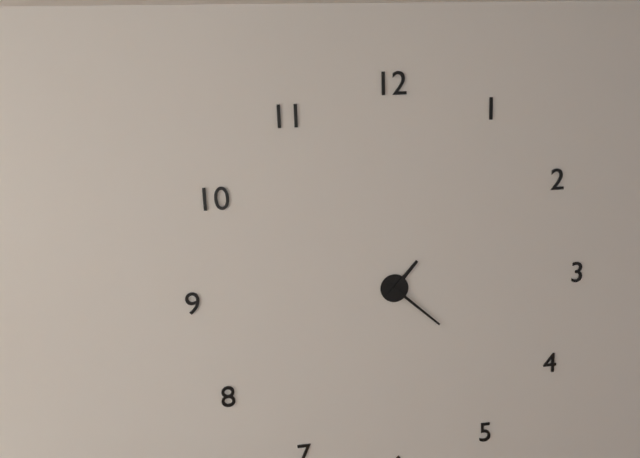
h=1 m=22
